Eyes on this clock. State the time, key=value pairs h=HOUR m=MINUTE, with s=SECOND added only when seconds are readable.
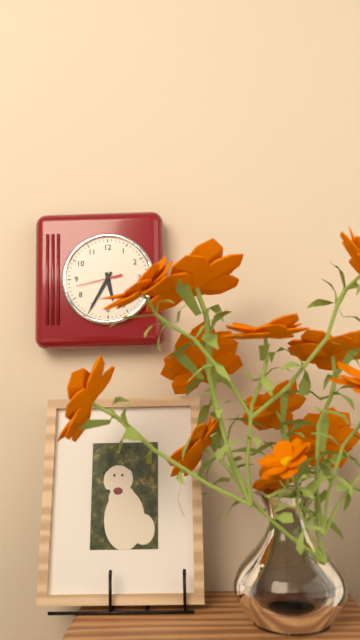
h=5 m=35
